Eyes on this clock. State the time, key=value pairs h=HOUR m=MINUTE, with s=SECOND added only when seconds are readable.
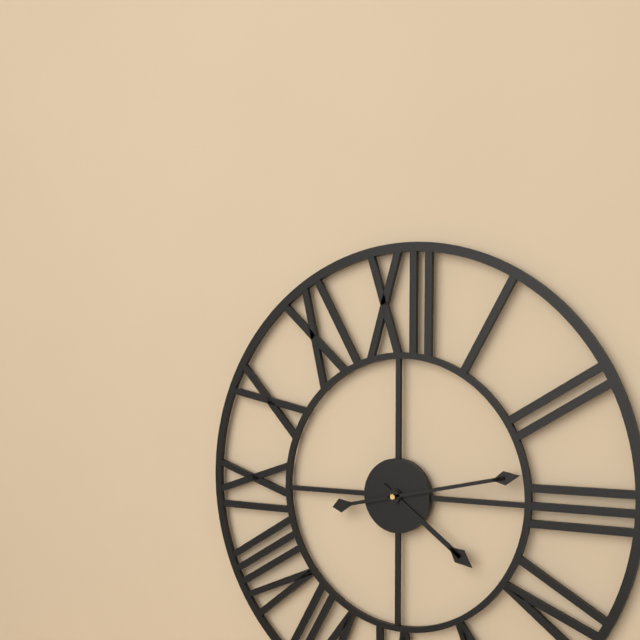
h=4 m=13
